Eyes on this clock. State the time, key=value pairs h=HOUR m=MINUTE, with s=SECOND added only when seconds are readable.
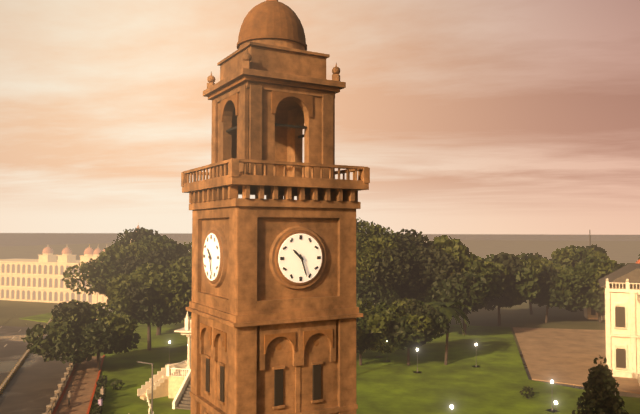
h=10 m=27
